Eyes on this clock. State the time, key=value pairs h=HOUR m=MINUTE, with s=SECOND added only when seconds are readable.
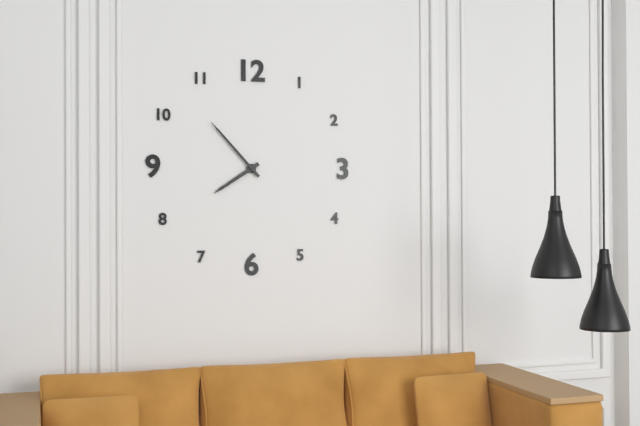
h=7 m=53
